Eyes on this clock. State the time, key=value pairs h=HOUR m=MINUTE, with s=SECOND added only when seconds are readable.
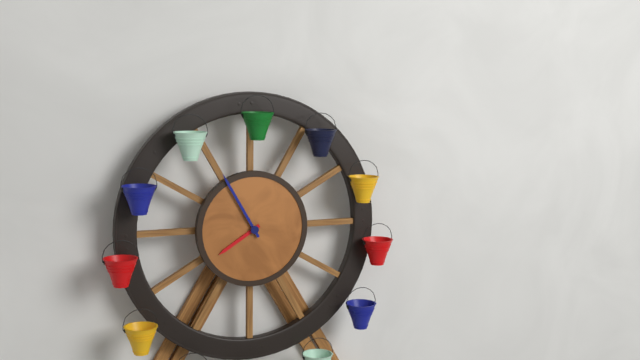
h=7 m=55
